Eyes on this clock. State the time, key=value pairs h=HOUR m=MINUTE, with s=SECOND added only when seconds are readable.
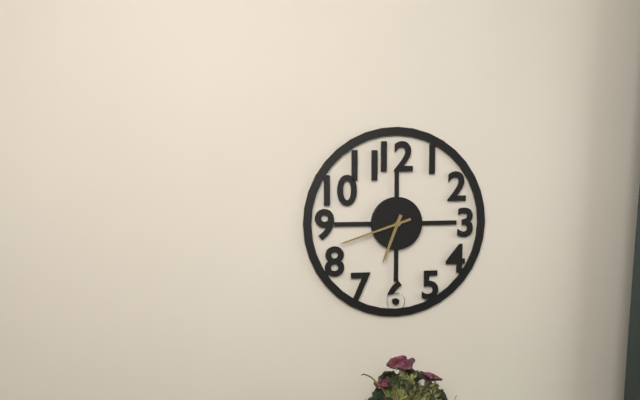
h=6 m=42
